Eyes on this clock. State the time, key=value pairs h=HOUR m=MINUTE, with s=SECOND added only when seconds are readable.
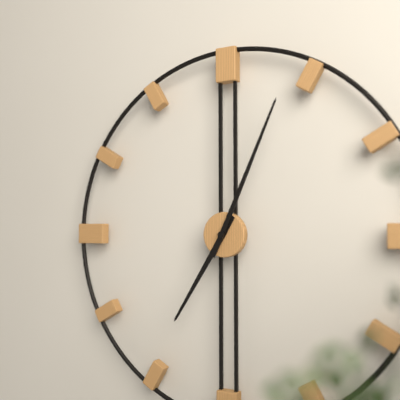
h=7 m=4
